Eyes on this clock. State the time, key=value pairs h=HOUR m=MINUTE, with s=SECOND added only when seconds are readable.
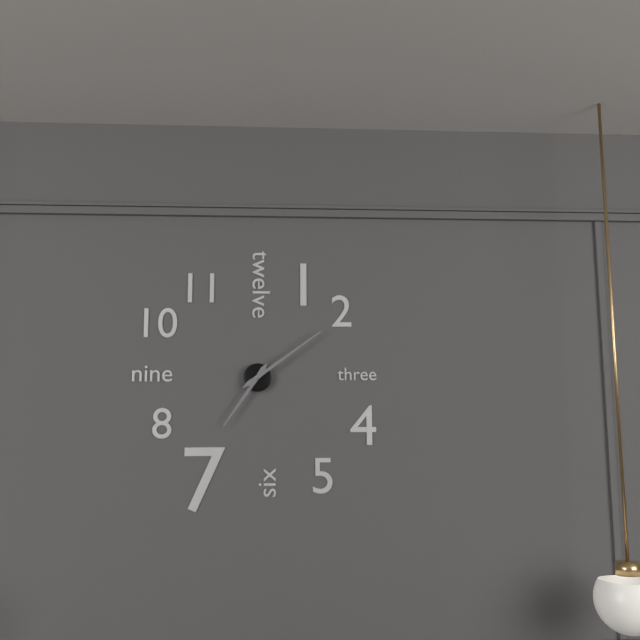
h=7 m=9
